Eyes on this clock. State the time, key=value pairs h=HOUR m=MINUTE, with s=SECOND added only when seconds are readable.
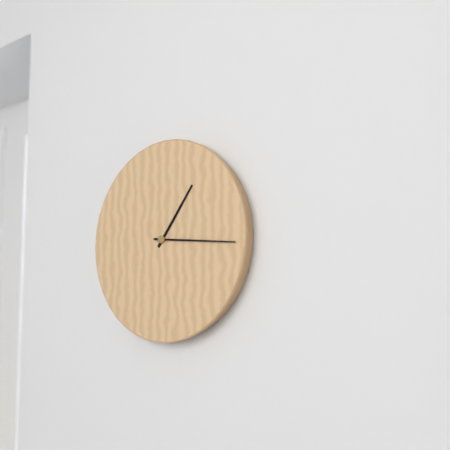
h=1 m=16
